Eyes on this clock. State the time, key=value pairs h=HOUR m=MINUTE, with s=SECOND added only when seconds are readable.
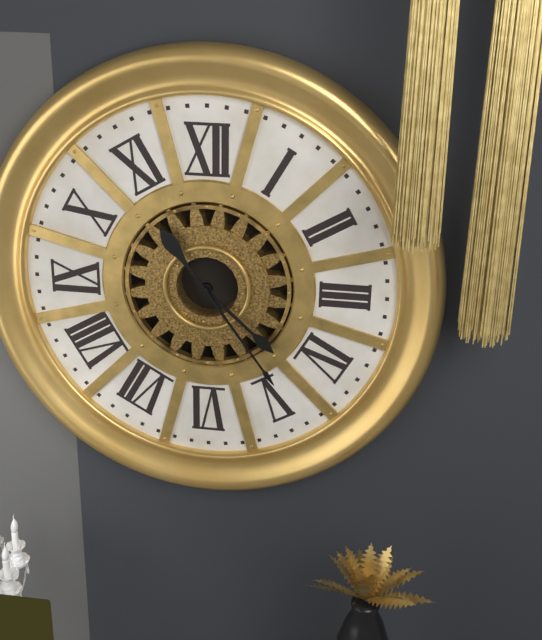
h=4 m=24
